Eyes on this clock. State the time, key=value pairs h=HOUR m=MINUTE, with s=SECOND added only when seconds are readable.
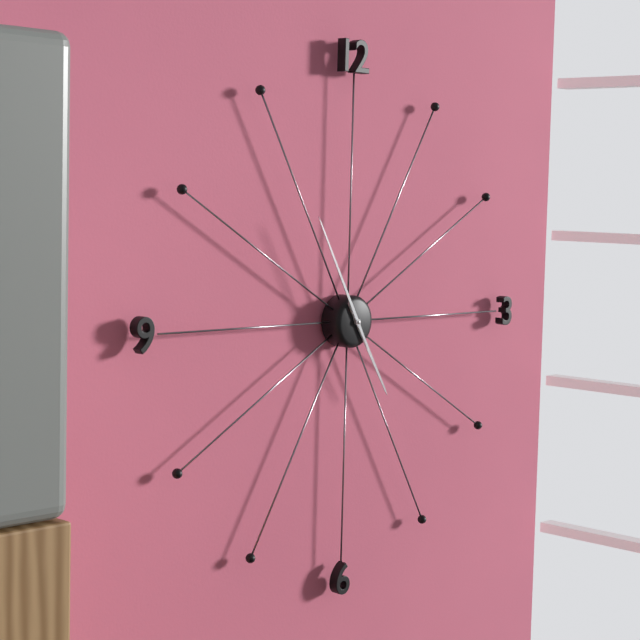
h=4 m=55
